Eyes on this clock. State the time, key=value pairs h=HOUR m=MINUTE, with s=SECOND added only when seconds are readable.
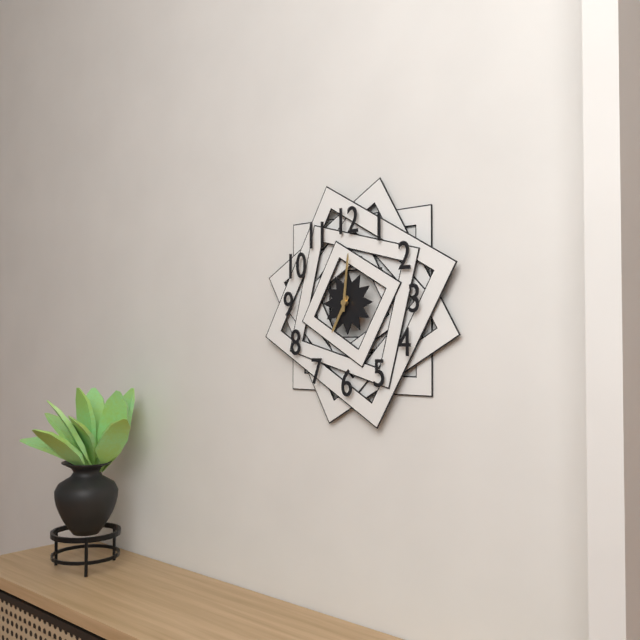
h=7 m=1
